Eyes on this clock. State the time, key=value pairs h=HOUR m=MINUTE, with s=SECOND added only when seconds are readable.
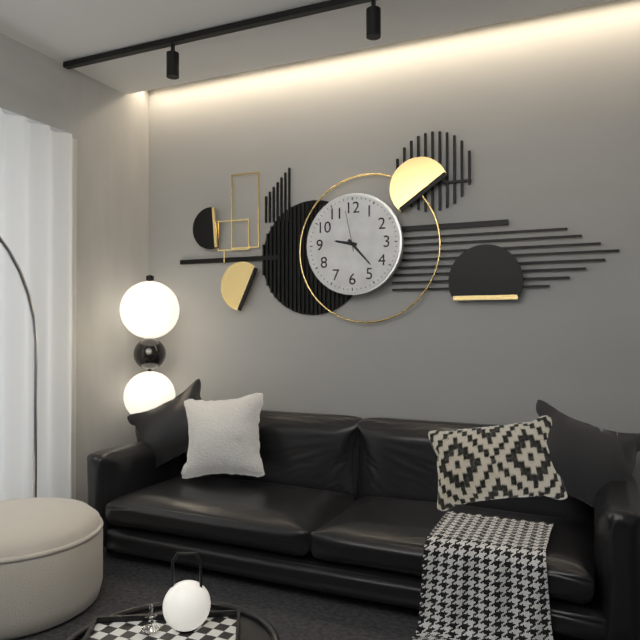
h=9 m=23
